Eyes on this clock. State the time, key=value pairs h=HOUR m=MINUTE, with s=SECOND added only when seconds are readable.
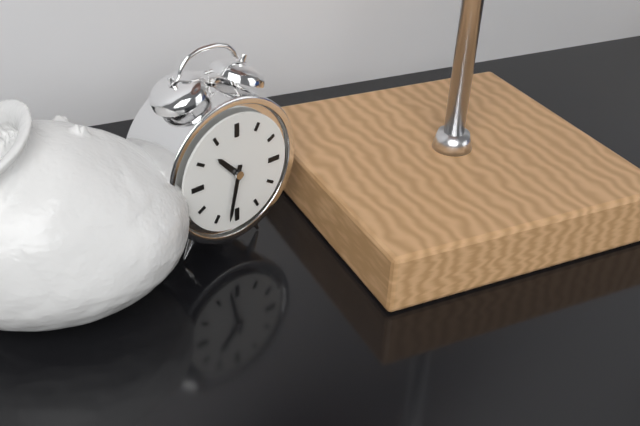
h=10 m=32
